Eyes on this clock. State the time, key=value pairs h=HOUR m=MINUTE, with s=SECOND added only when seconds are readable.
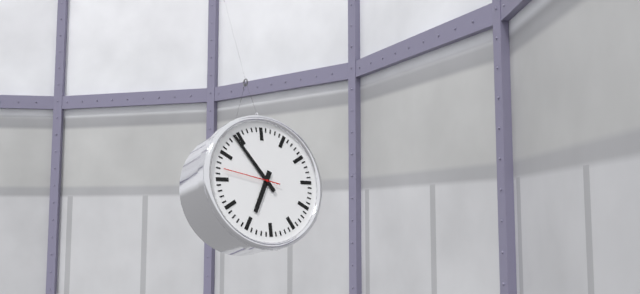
h=6 m=54 s=47
